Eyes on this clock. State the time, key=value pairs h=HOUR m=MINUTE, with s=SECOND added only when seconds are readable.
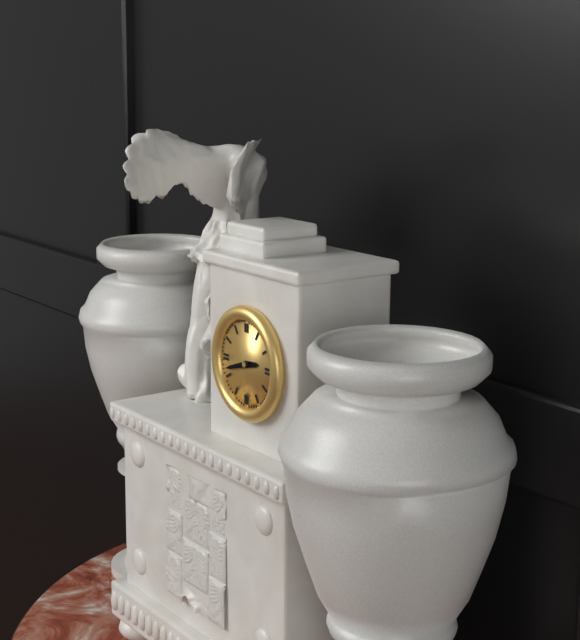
h=2 m=42
